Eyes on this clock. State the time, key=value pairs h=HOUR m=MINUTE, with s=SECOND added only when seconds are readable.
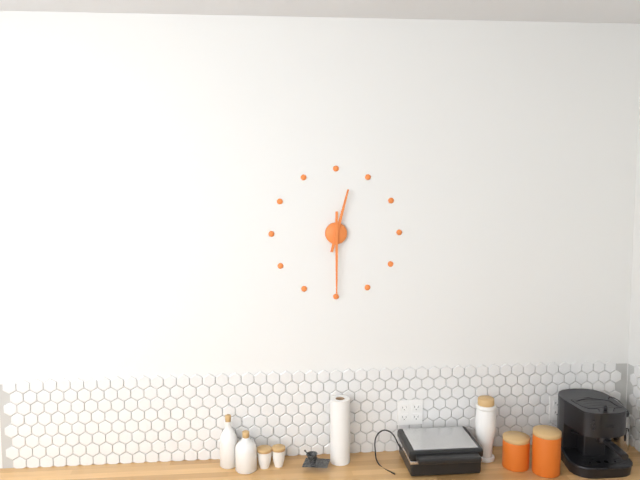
h=12 m=30
